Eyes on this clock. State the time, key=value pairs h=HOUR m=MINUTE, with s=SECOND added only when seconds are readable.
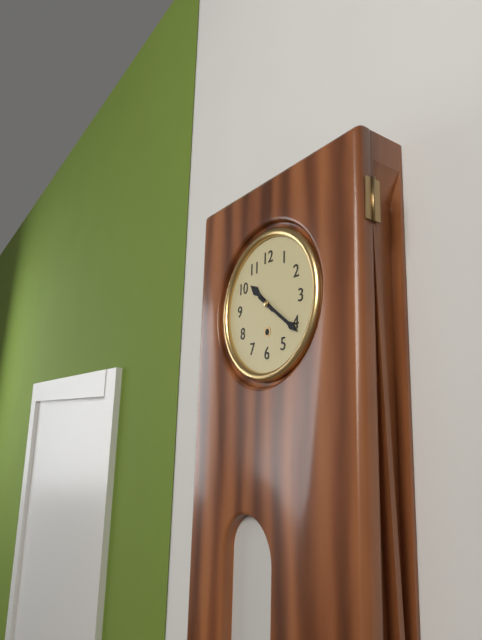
h=10 m=21
